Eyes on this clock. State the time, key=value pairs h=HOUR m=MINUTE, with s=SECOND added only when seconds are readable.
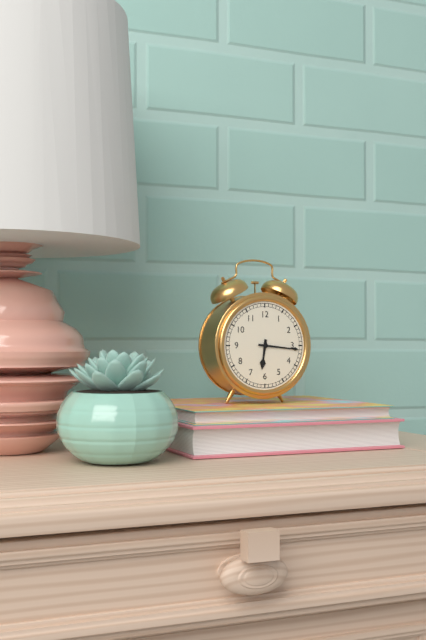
h=6 m=16
